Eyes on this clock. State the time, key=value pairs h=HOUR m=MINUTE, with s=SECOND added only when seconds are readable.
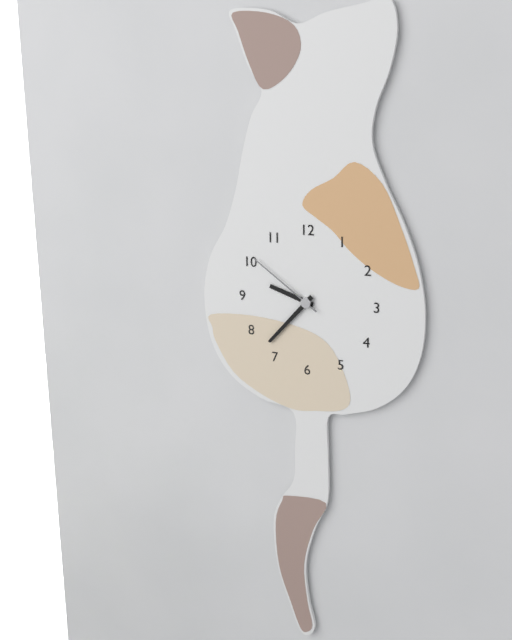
h=9 m=37 s=51
